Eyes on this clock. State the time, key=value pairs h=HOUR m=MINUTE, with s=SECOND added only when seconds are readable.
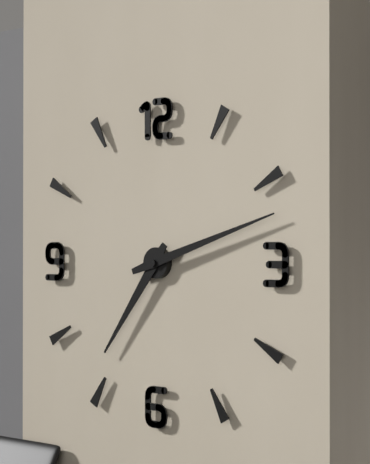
h=7 m=12
